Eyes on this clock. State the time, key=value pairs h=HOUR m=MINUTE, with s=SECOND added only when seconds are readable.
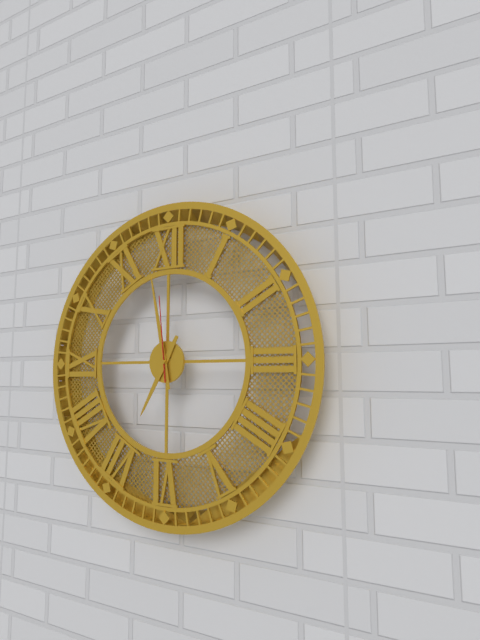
h=6 m=58 s=59
